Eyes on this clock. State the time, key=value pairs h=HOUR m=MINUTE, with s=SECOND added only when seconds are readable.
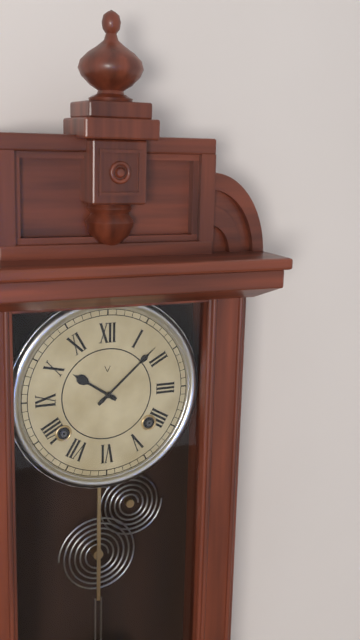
h=10 m=8
